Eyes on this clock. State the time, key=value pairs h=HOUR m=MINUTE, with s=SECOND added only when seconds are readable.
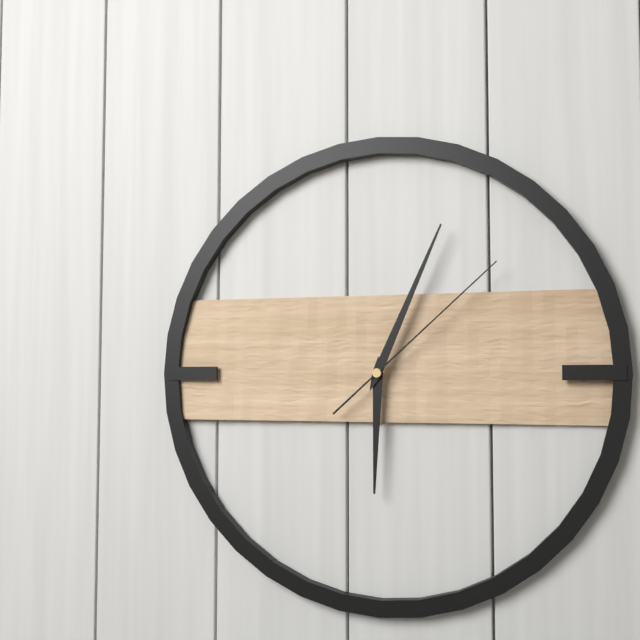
h=6 m=4 s=8
